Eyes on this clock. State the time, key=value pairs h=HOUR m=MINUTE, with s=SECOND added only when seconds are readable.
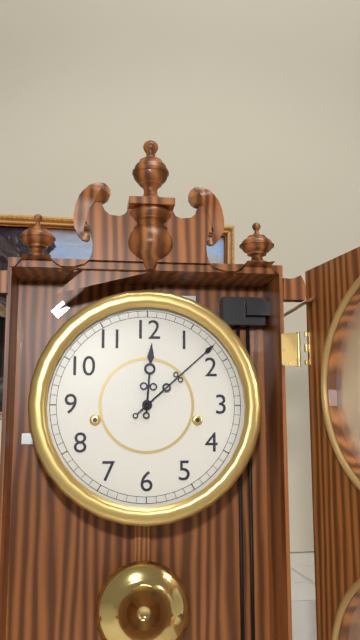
h=12 m=8
